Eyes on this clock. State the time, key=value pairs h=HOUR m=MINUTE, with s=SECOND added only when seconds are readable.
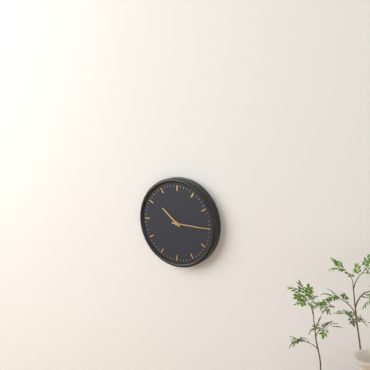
h=10 m=15
